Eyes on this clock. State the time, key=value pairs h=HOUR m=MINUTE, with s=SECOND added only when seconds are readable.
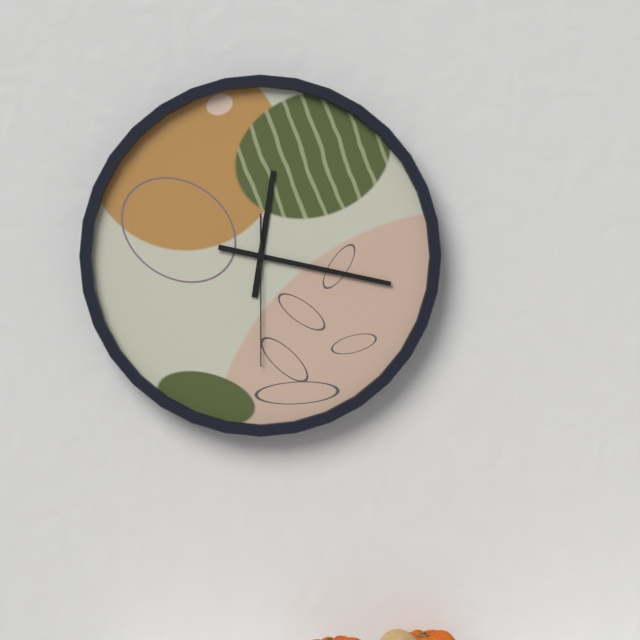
h=12 m=17 s=30
